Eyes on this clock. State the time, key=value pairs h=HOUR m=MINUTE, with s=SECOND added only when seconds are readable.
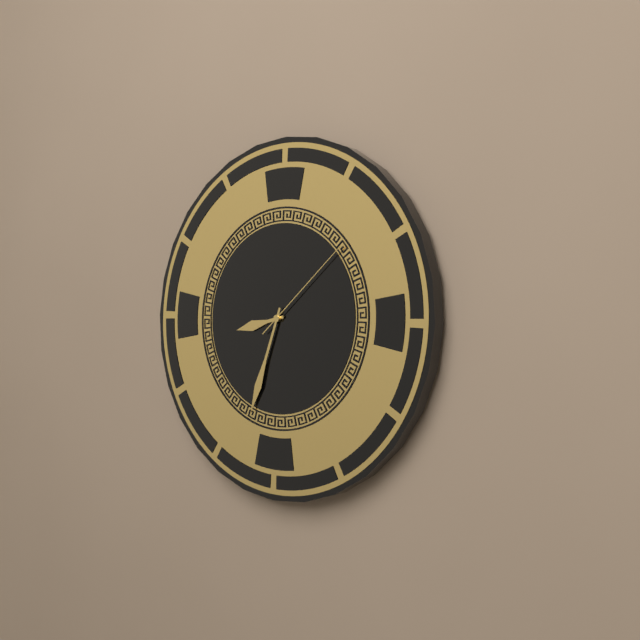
h=8 m=33 s=8
